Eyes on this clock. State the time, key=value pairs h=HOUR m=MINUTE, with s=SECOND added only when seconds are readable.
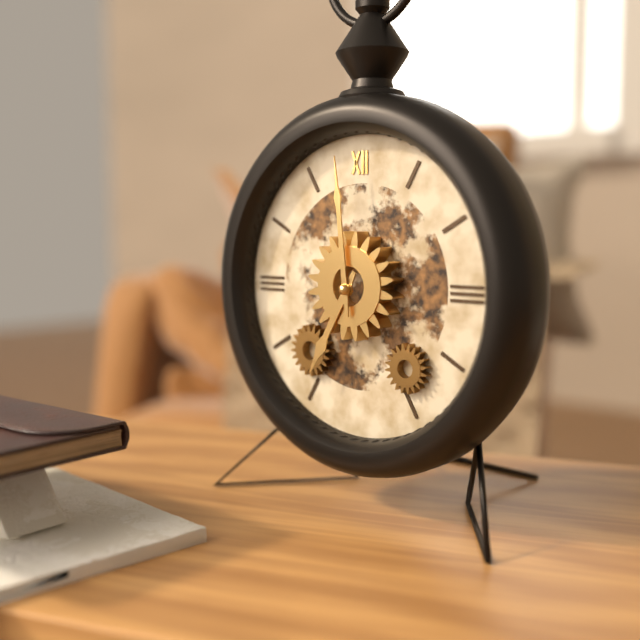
h=6 m=59
